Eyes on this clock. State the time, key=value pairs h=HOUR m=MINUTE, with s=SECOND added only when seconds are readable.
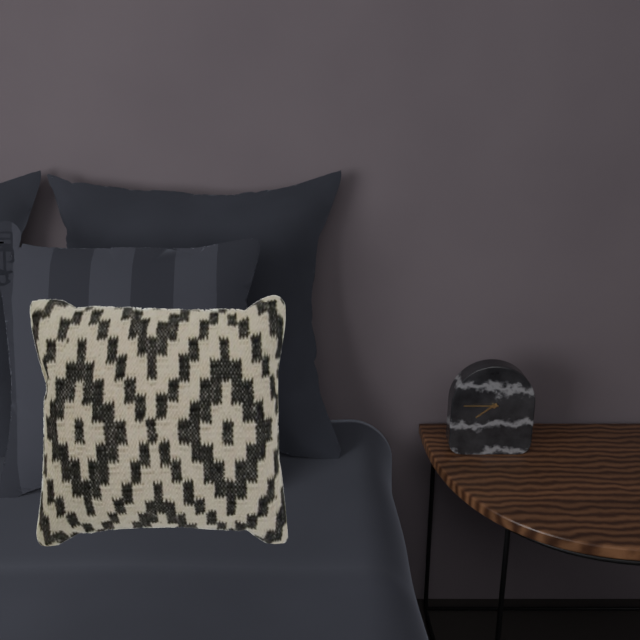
h=7 m=45
